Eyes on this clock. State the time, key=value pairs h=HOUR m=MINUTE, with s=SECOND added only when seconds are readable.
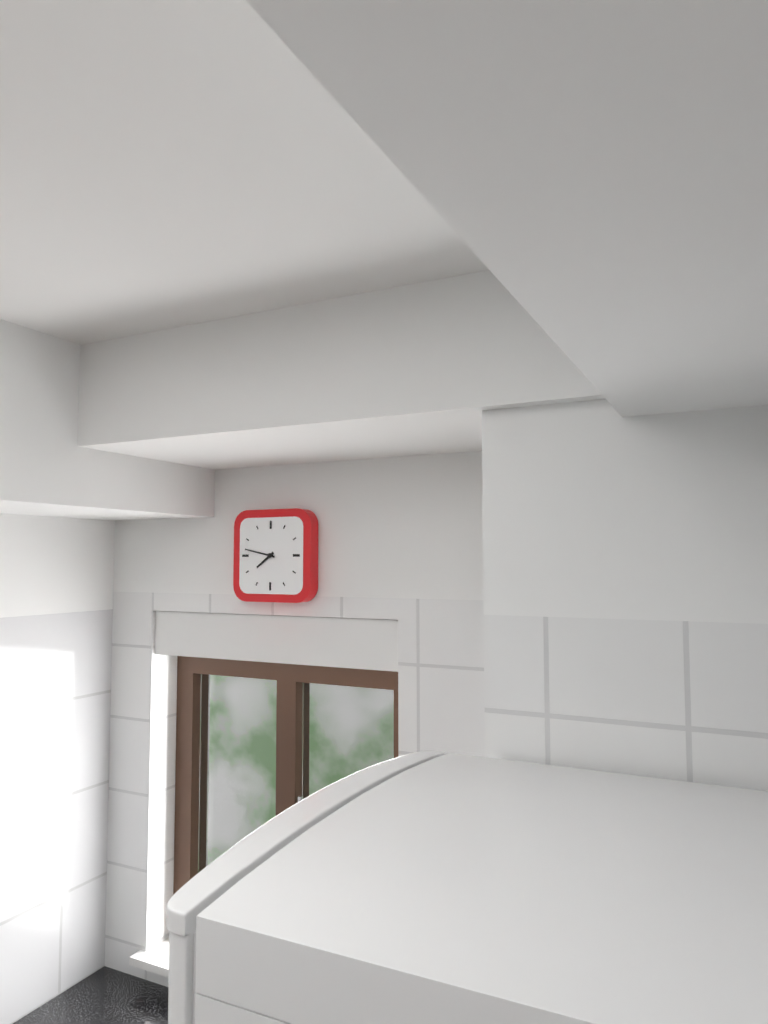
h=7 m=47
